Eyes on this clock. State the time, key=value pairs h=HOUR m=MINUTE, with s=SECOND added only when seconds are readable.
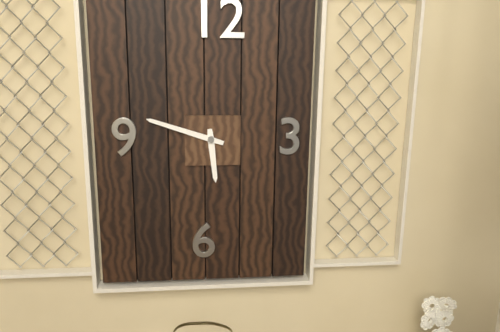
h=5 m=48
